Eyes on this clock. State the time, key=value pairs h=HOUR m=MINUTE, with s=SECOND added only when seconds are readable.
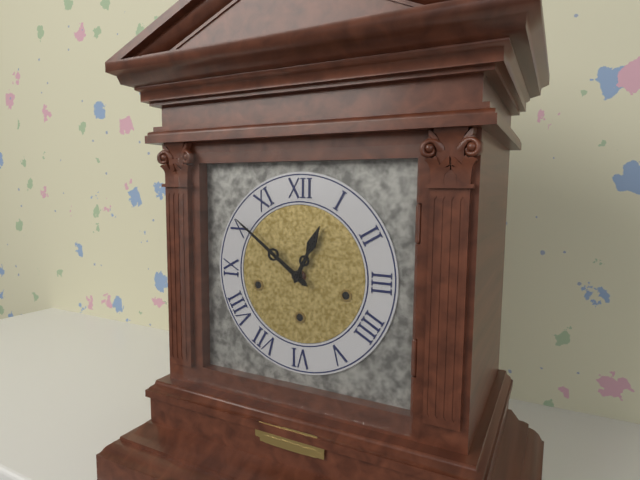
h=12 m=51
